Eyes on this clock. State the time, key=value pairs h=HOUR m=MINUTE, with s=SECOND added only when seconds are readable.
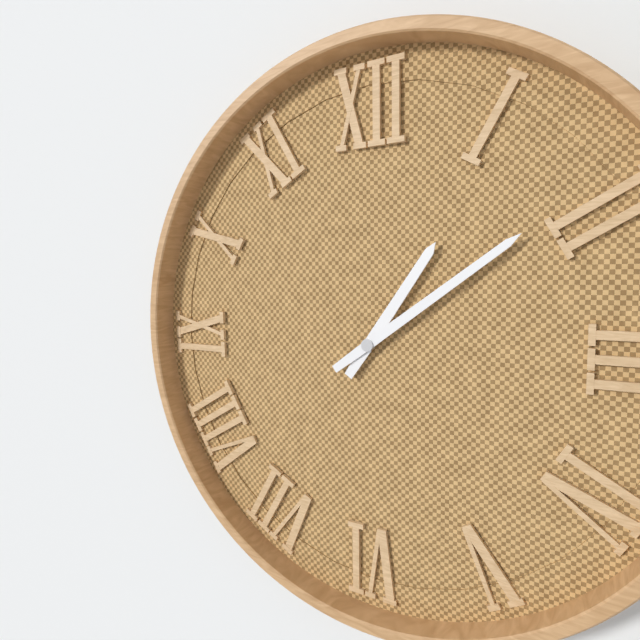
h=1 m=9
